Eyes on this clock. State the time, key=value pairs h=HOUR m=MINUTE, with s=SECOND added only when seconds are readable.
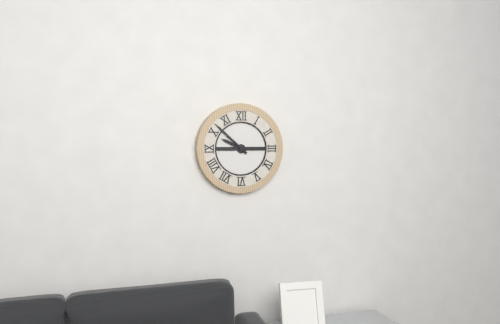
h=9 m=52
